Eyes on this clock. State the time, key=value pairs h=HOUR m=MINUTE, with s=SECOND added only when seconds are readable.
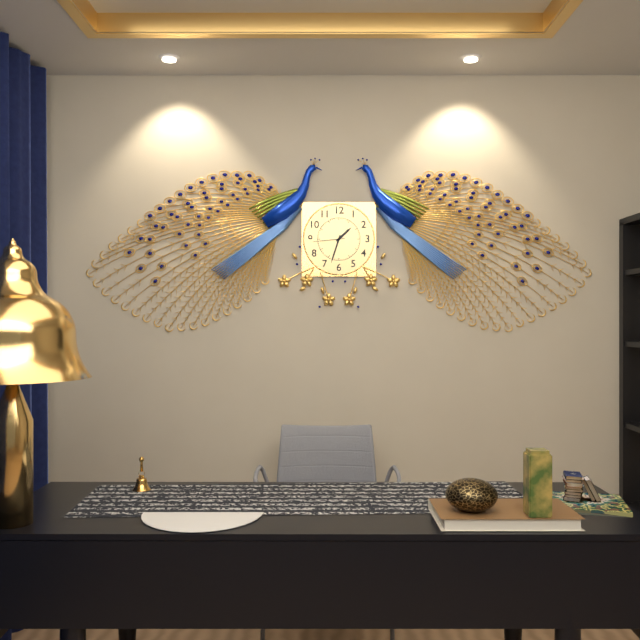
h=1 m=33
